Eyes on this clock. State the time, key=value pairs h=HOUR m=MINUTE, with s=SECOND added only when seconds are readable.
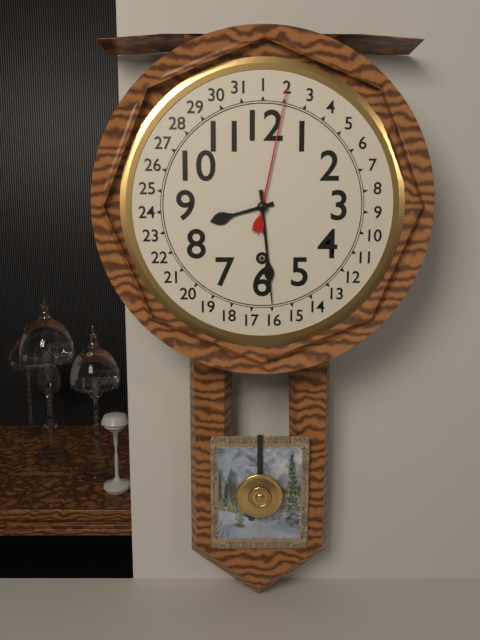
h=8 m=29
